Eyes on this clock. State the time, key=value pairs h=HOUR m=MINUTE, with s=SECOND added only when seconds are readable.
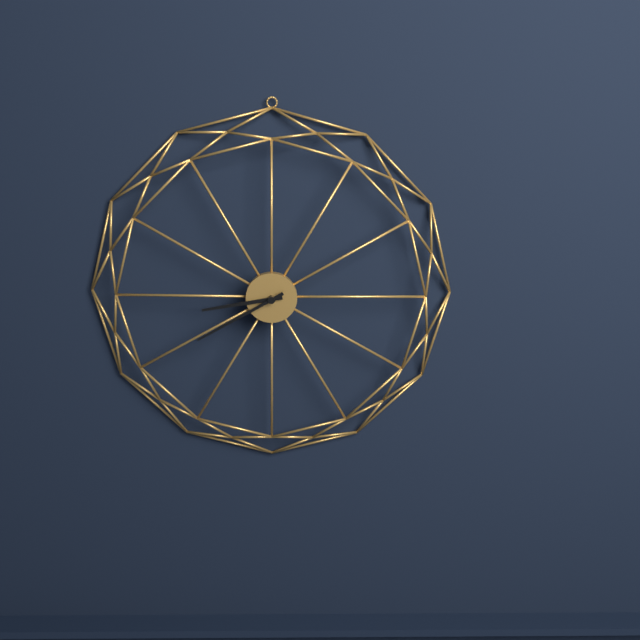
h=8 m=40
